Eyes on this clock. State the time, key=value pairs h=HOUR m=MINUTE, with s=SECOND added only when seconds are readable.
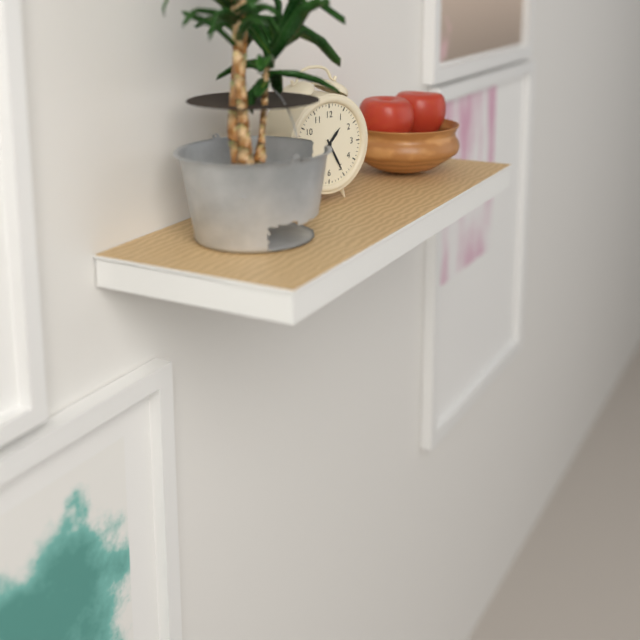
h=1 m=25
